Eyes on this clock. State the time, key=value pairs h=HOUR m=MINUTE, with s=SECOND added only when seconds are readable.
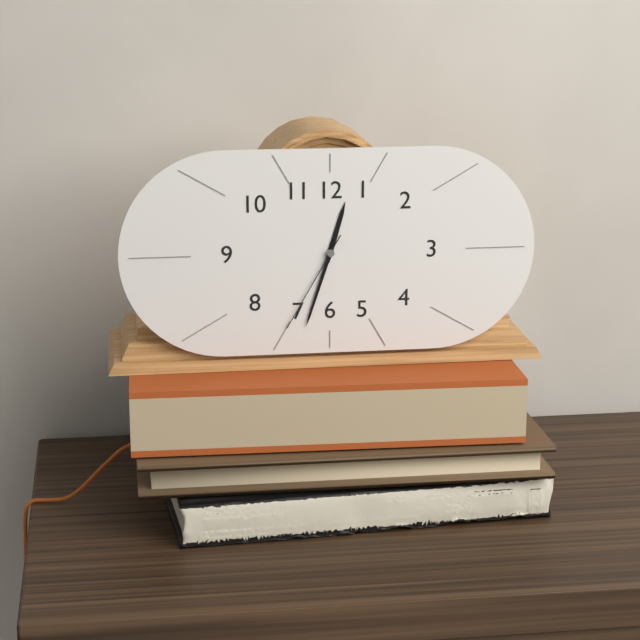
h=12 m=33 s=35
